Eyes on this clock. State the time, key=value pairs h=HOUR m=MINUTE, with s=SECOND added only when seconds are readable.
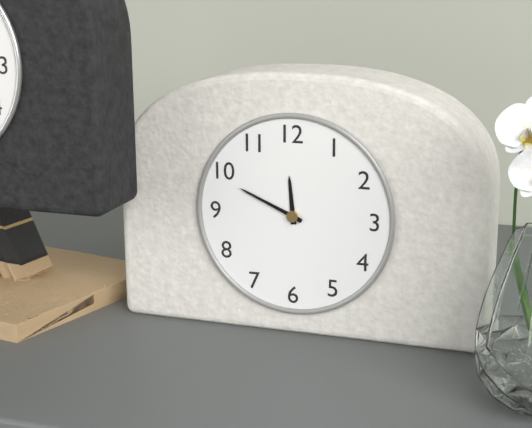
h=11 m=49
